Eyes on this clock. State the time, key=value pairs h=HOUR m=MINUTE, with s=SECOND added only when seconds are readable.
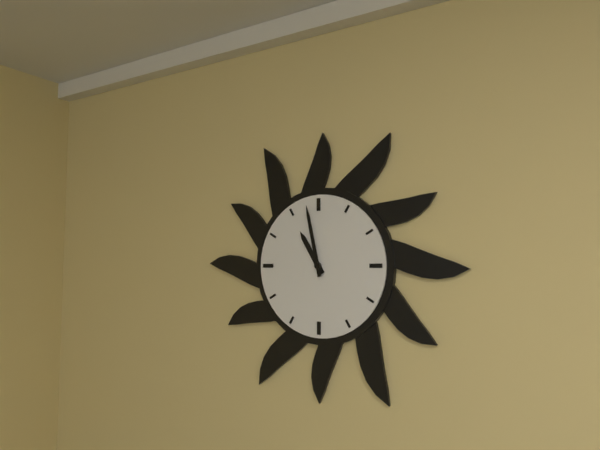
h=10 m=58
